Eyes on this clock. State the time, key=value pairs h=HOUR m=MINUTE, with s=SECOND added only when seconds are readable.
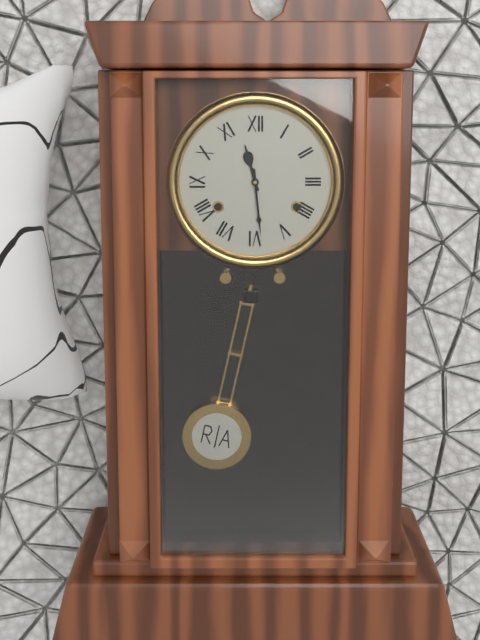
h=11 m=29
